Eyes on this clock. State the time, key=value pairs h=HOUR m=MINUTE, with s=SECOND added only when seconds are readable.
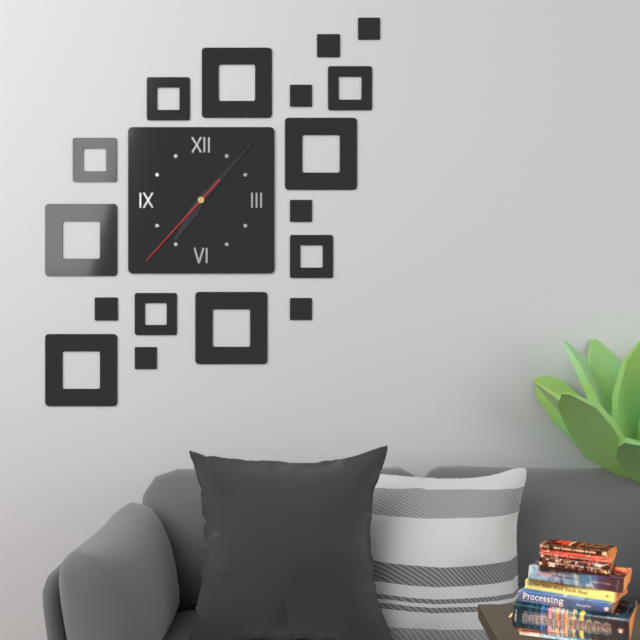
h=7 m=7 s=37
